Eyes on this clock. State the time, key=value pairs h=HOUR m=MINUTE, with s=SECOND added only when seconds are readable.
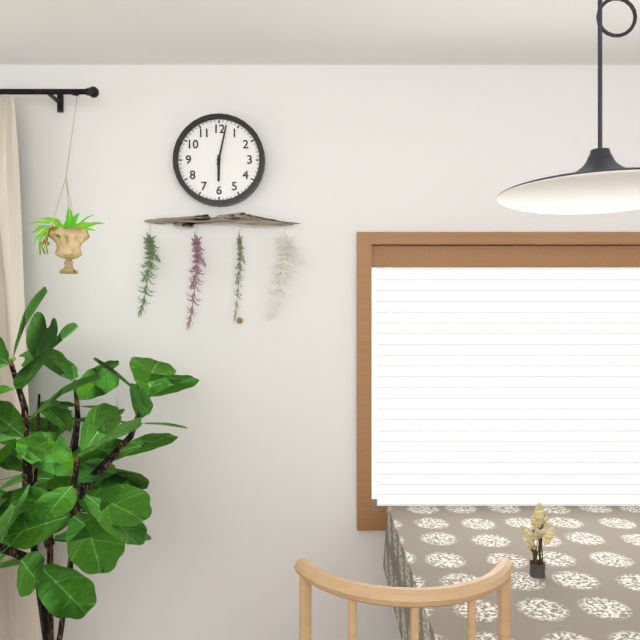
h=6 m=2
